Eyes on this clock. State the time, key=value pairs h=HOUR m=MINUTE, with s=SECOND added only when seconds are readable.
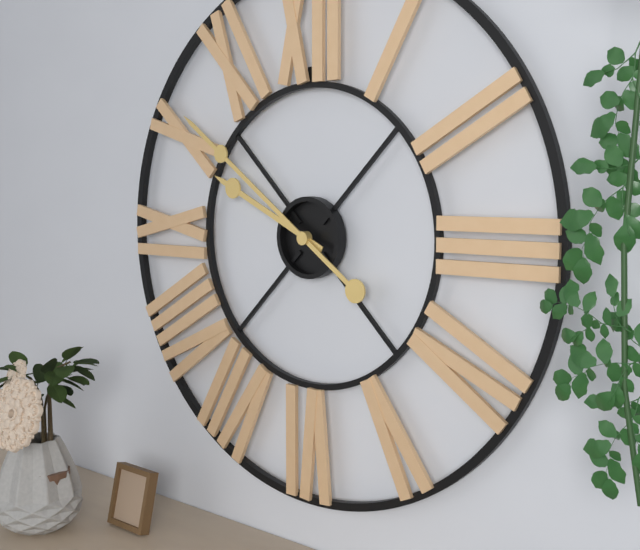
h=9 m=51
